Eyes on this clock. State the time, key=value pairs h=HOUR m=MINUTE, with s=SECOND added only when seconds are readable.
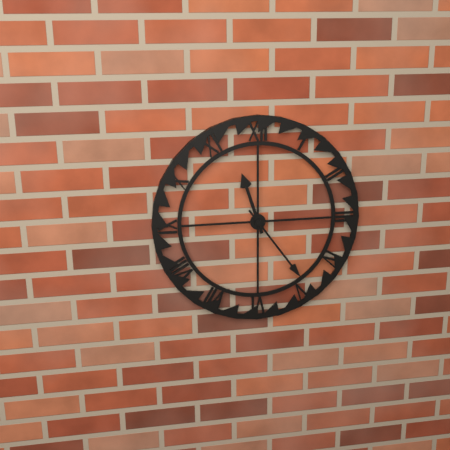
h=11 m=24
